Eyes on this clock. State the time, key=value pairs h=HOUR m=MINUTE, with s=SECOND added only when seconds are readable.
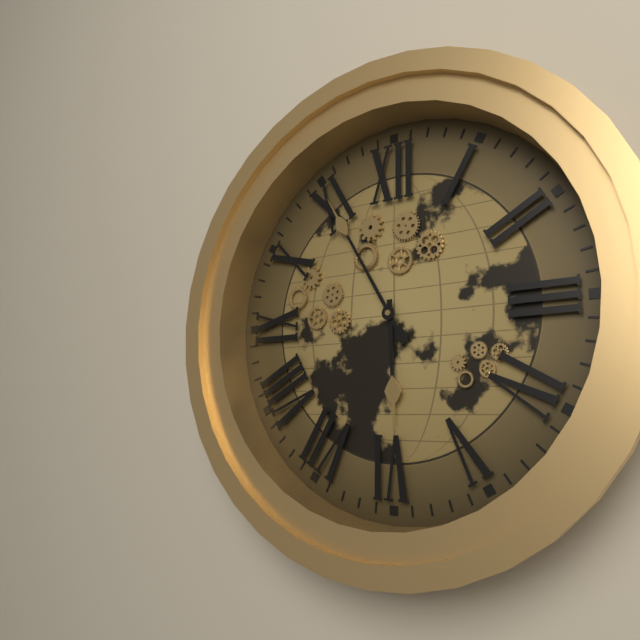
h=5 m=55
